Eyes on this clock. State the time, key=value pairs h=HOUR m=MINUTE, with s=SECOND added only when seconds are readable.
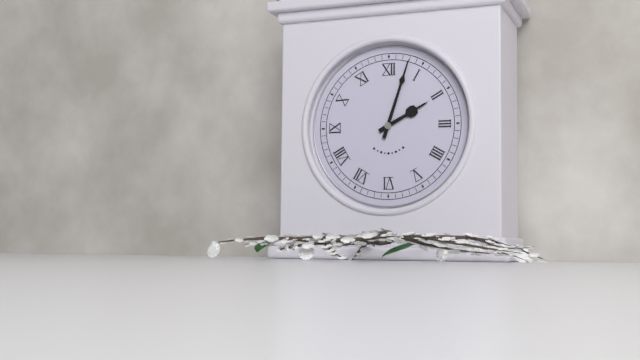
h=2 m=3
